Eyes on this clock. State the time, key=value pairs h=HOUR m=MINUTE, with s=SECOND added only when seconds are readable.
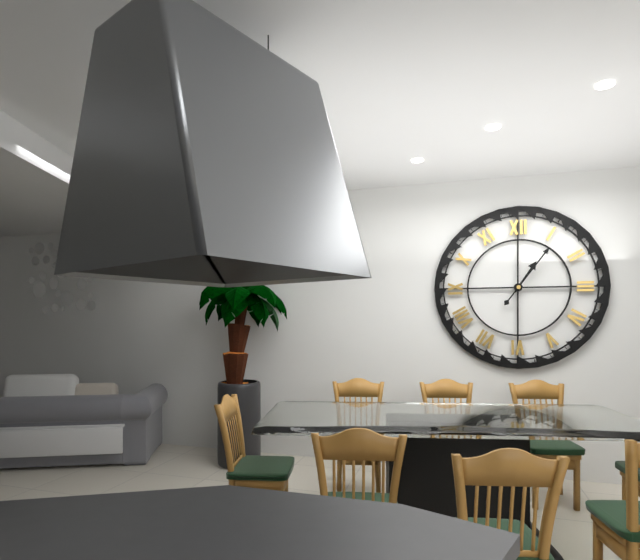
h=1 m=6
